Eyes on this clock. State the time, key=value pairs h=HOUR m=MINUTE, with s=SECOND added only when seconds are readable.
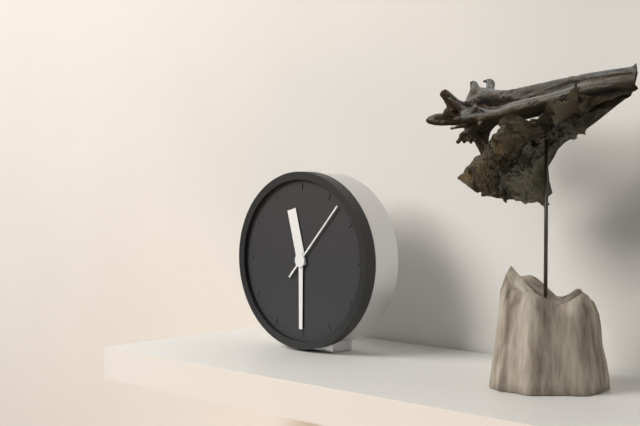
h=11 m=30 s=7
